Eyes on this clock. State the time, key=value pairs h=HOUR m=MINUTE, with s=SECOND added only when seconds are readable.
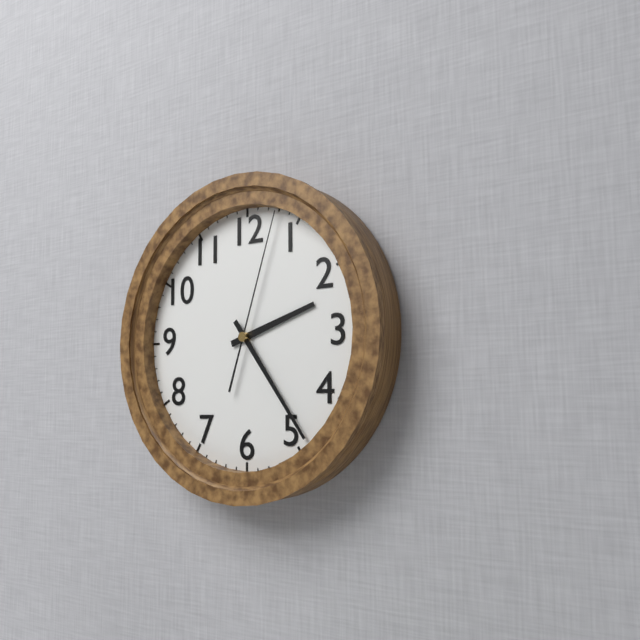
h=2 m=24 s=3
